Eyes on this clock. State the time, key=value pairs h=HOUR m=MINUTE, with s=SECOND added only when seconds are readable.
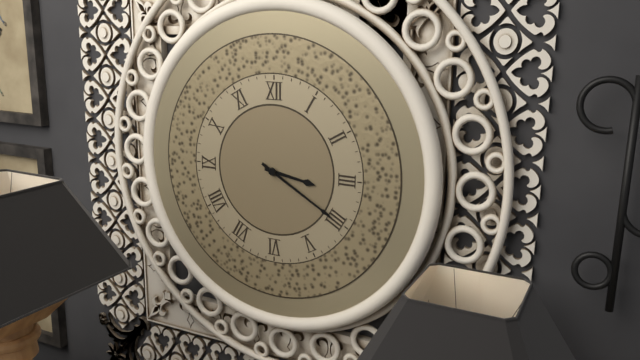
h=3 m=20
